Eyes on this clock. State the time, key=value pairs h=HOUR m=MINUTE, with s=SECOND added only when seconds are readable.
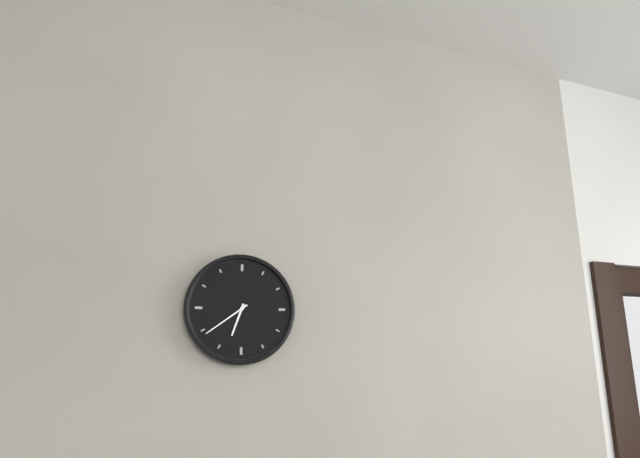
h=6 m=39
